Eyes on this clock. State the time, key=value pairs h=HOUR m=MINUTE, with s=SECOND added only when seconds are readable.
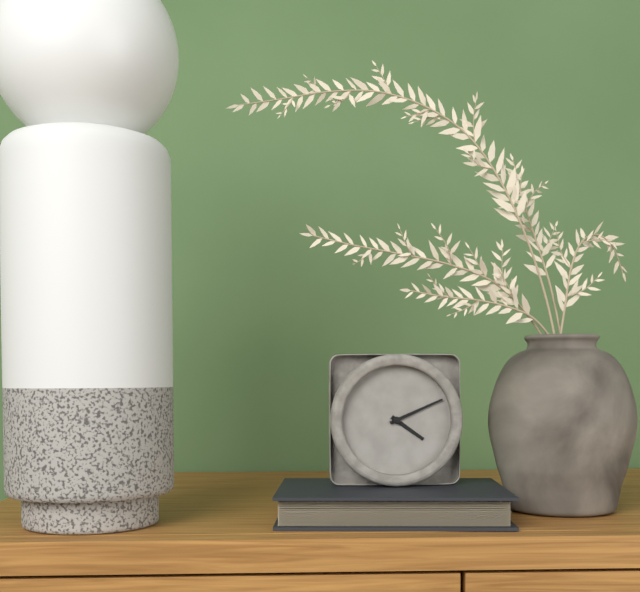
h=4 m=11
